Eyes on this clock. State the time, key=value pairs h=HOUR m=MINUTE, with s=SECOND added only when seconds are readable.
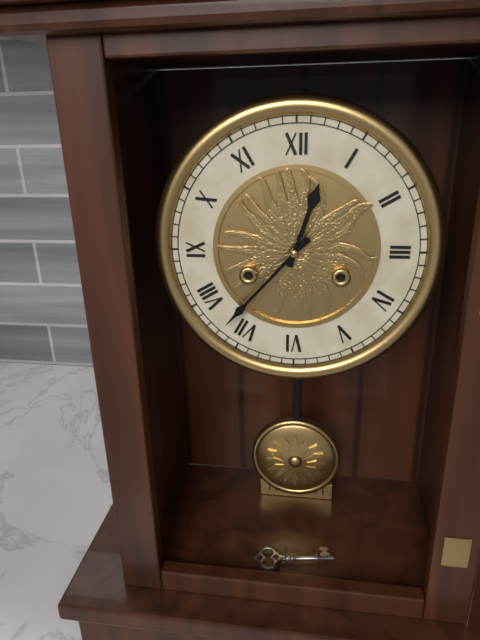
h=12 m=37
